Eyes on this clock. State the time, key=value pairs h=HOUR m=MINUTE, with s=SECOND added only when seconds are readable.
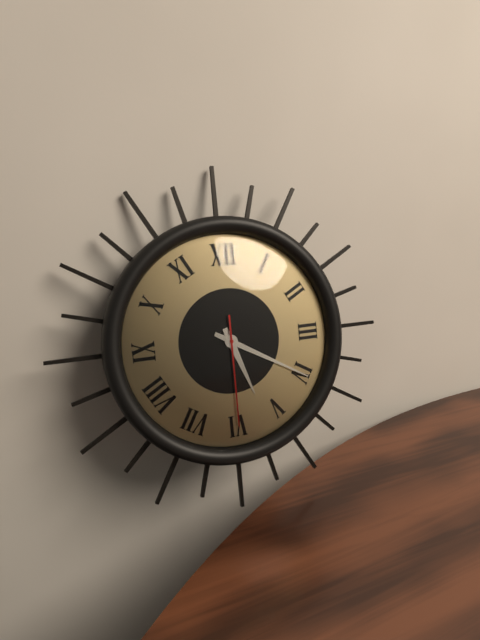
h=5 m=20 s=30
